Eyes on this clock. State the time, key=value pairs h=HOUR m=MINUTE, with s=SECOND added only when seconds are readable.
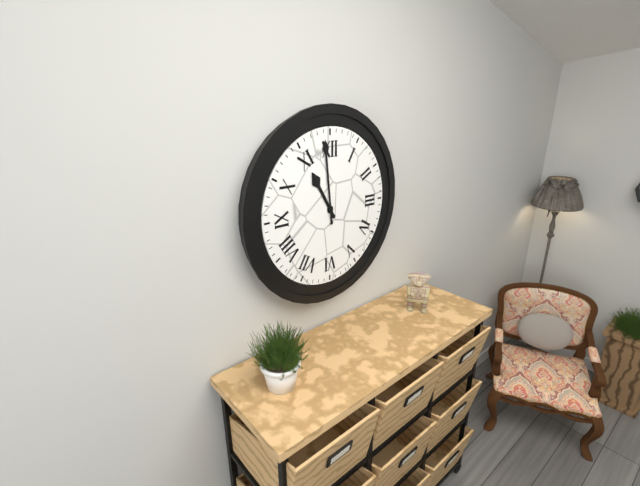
h=10 m=59
